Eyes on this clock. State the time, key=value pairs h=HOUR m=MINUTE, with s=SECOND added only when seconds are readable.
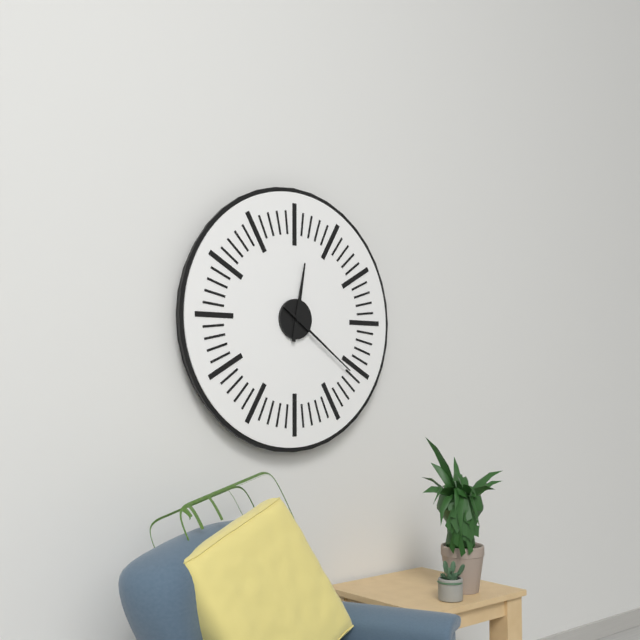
h=12 m=21
